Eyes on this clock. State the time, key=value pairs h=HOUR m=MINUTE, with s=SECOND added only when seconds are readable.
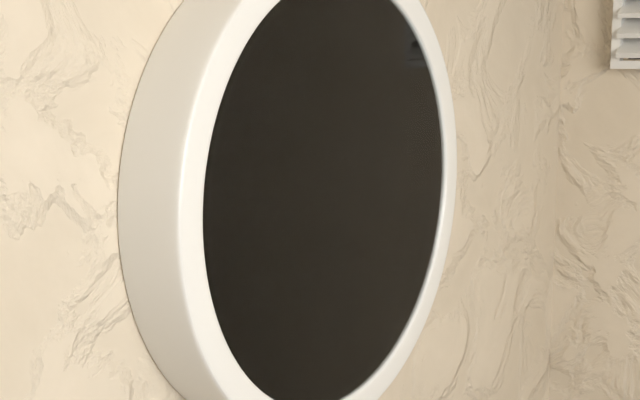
h=11 m=59 s=47
